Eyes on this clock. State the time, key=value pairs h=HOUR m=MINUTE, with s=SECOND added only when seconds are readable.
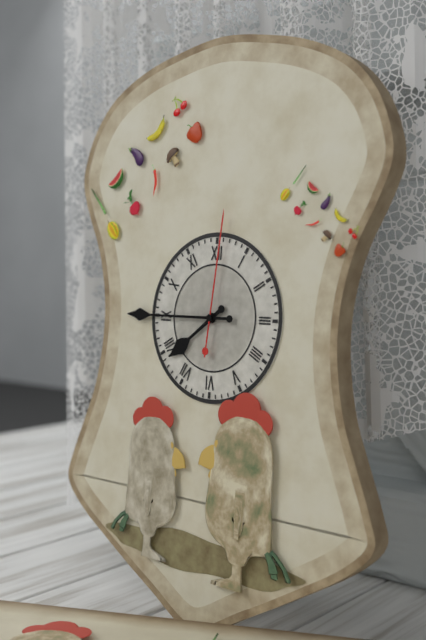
h=7 m=45 s=1
